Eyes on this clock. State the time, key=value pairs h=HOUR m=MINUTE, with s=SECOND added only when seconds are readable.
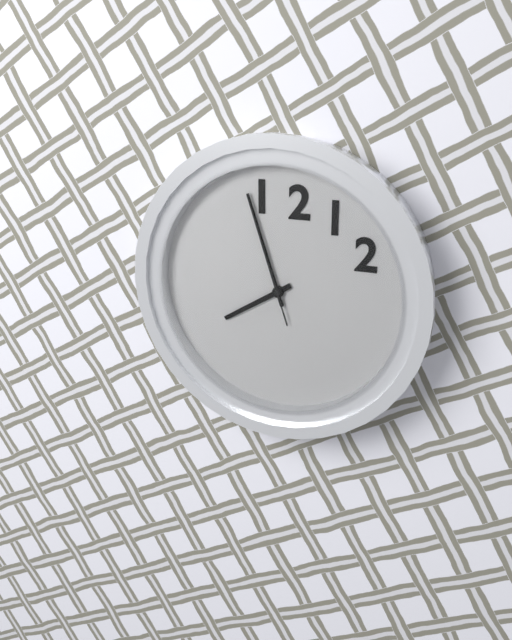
h=7 m=57 s=57
